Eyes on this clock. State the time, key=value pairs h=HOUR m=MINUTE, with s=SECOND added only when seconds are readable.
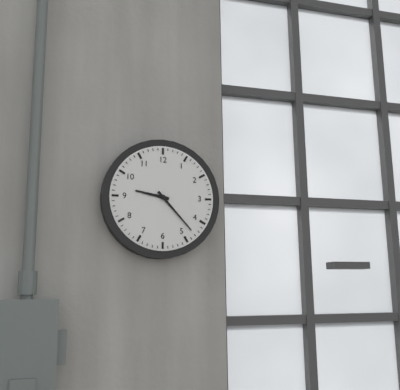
h=9 m=23
